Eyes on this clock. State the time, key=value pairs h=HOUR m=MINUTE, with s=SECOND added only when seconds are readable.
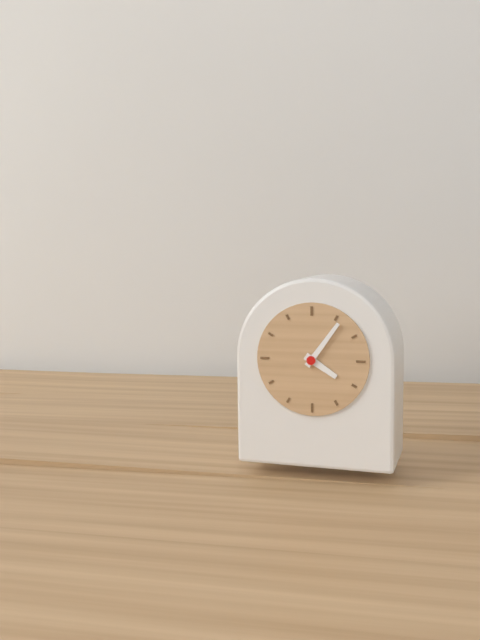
h=4 m=6
